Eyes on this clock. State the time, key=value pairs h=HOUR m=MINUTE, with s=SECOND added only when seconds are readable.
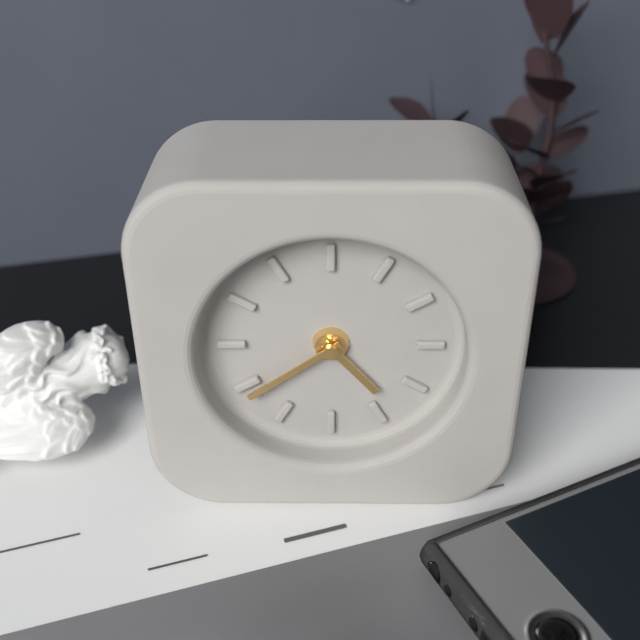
h=4 m=39
